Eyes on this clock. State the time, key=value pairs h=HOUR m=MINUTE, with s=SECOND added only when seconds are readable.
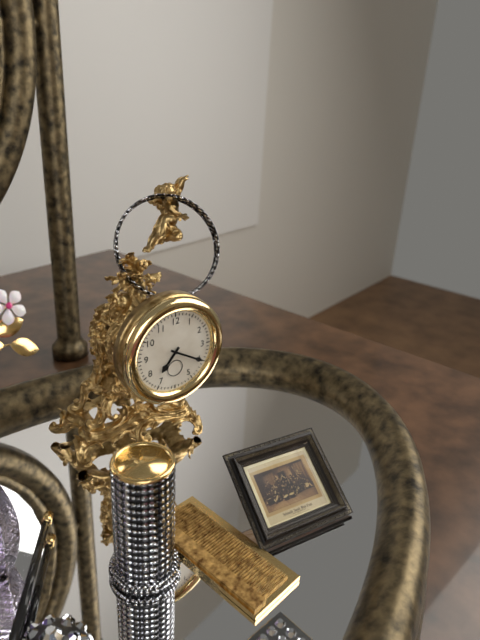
h=7 m=20
